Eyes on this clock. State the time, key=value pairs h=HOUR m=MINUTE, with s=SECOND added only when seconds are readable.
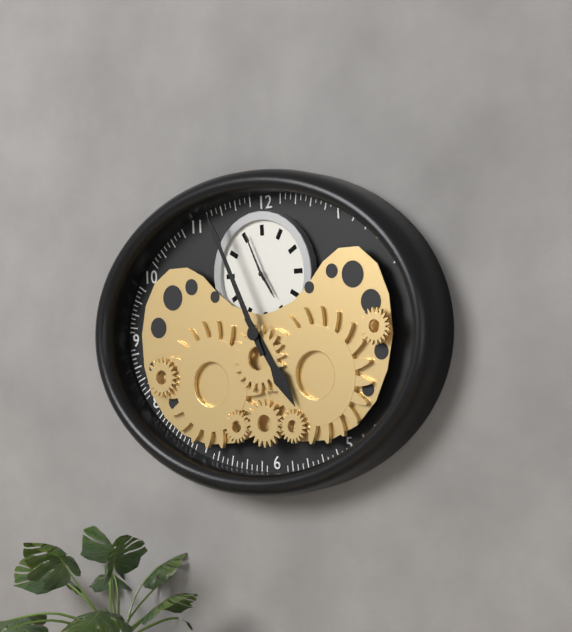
h=4 m=56
